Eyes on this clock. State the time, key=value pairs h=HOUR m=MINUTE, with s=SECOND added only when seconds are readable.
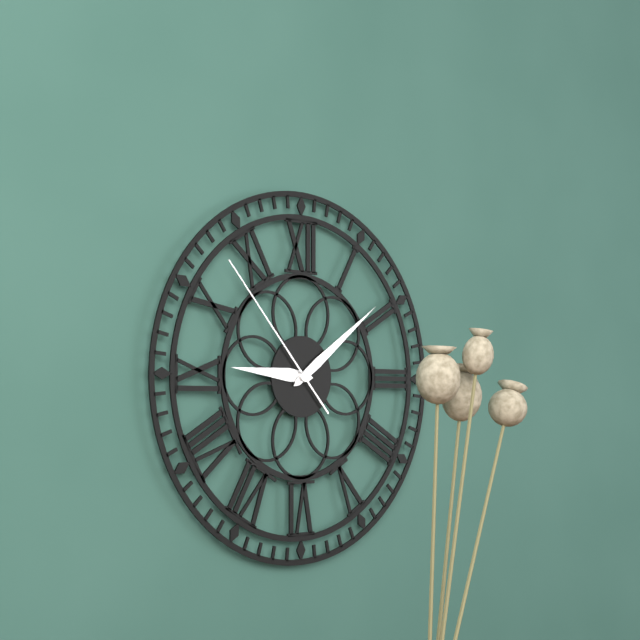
h=9 m=9 s=53
